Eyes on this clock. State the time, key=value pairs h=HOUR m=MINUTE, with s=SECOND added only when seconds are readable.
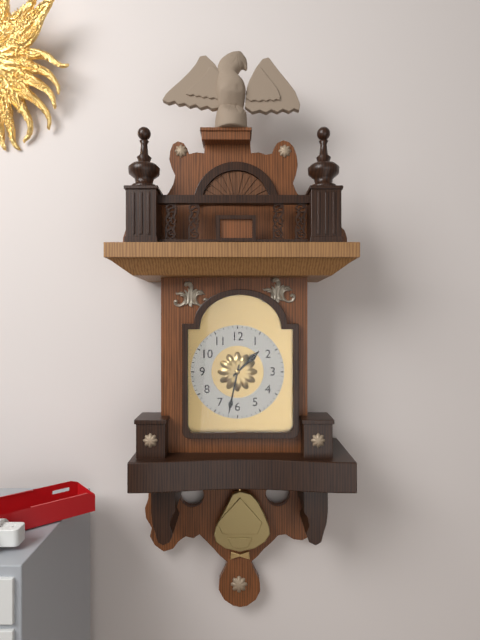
h=1 m=32
